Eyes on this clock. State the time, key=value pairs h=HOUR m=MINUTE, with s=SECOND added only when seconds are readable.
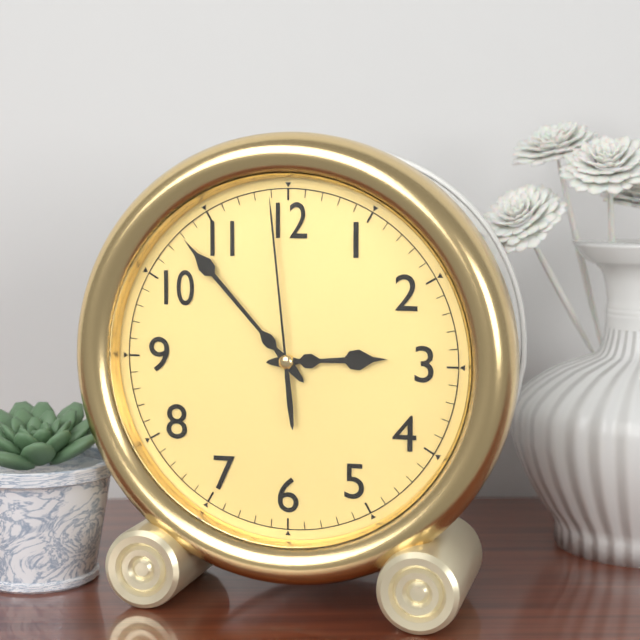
h=2 m=53 s=59
